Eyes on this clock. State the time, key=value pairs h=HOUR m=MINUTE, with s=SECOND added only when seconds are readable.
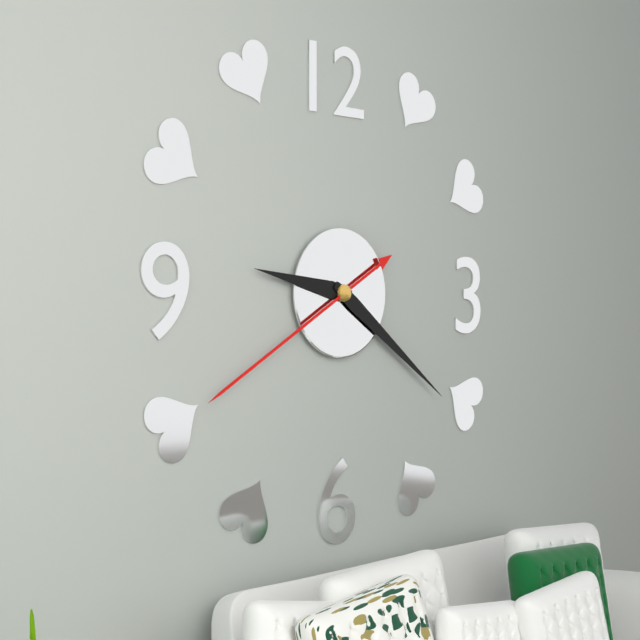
h=9 m=21 s=40
